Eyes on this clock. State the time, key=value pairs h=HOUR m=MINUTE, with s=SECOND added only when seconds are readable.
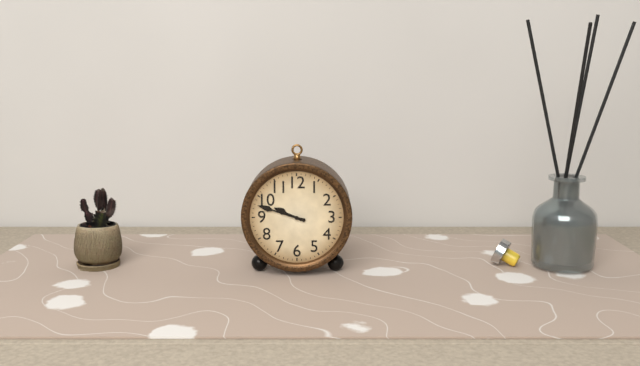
h=9 m=48
